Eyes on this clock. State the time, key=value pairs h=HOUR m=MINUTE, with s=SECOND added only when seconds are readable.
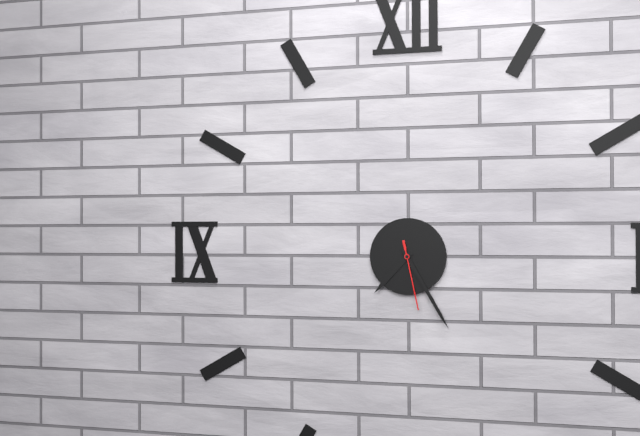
h=7 m=25 s=28
